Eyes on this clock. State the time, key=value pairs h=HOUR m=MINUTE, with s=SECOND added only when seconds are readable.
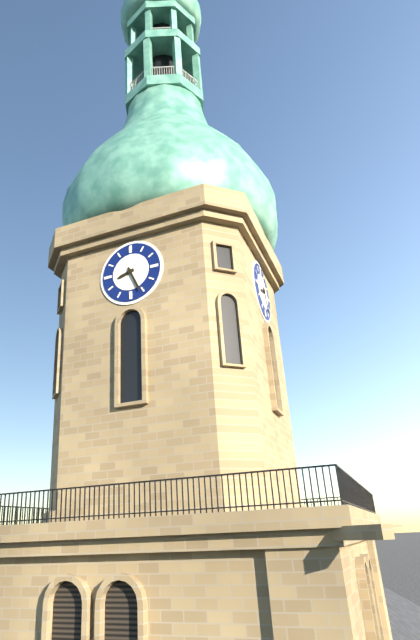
h=8 m=26
